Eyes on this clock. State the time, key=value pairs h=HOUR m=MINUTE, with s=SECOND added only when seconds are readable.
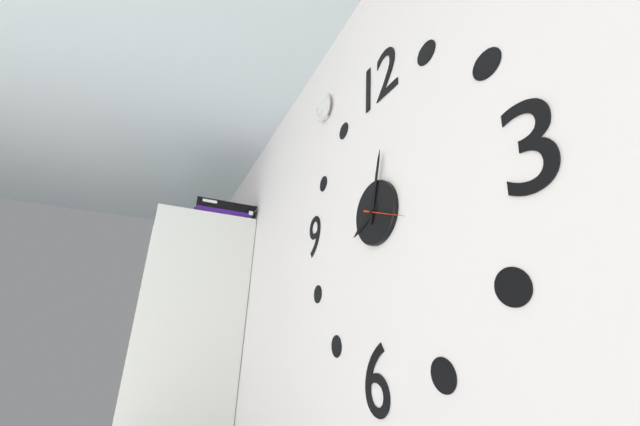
h=8 m=2
